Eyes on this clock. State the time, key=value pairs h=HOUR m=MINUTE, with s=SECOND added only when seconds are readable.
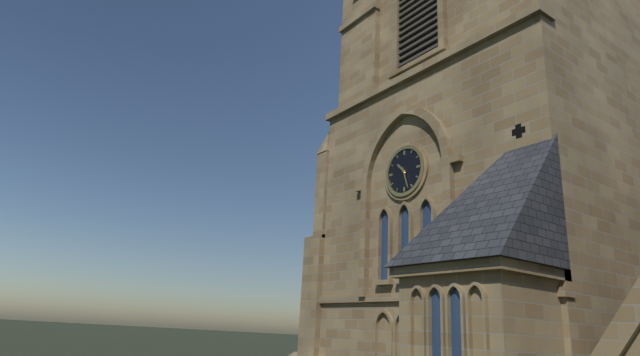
h=10 m=27
